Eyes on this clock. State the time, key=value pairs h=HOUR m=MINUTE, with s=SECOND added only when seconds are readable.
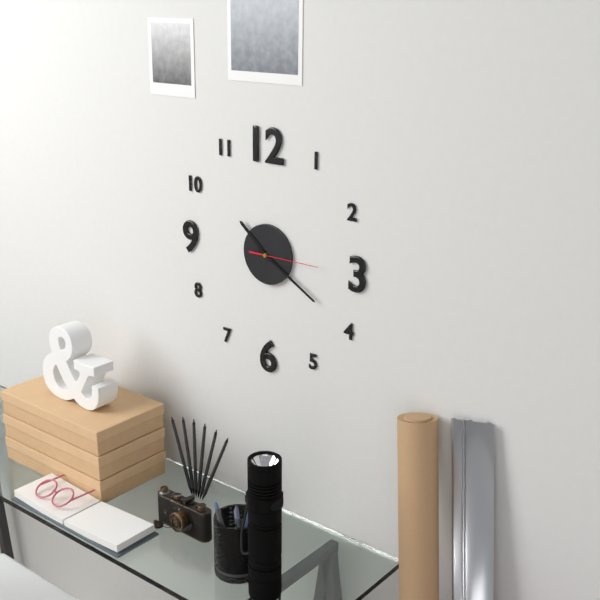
h=10 m=20 s=15
